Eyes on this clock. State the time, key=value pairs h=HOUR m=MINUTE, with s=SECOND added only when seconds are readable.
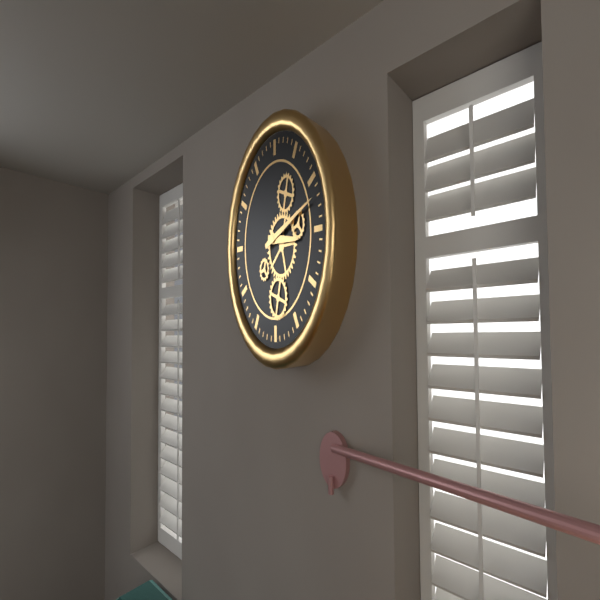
h=3 m=12
